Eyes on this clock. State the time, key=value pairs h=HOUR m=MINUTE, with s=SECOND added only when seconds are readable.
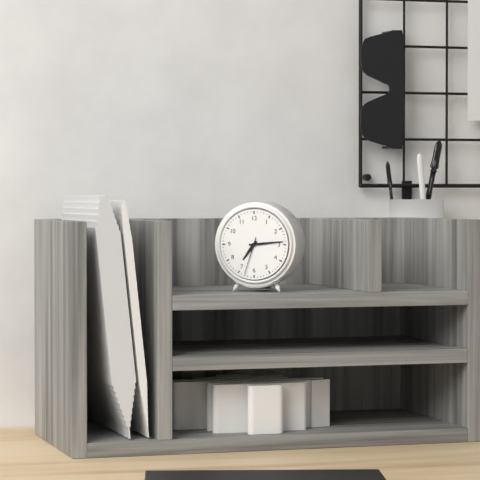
h=7 m=14
